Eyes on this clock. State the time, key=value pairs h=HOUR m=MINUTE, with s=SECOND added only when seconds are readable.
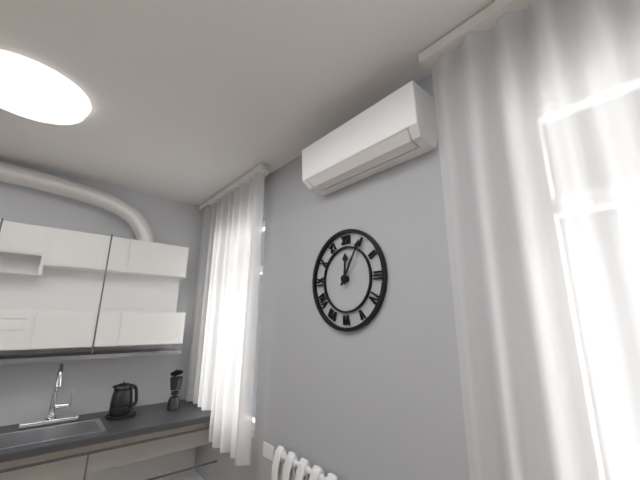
h=12 m=5
